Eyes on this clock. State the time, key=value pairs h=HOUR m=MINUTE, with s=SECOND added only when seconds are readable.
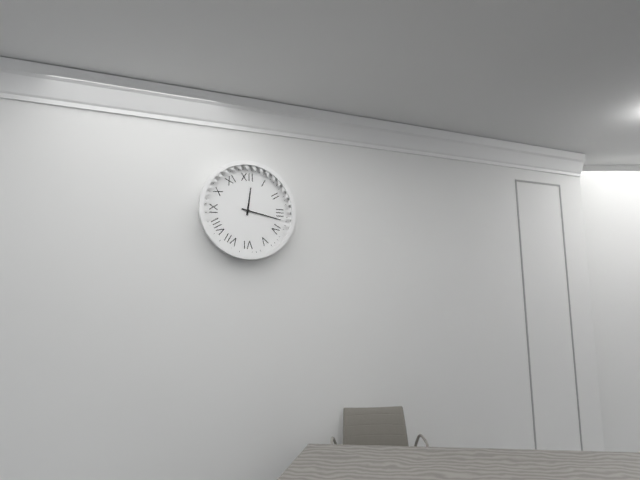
h=12 m=17
